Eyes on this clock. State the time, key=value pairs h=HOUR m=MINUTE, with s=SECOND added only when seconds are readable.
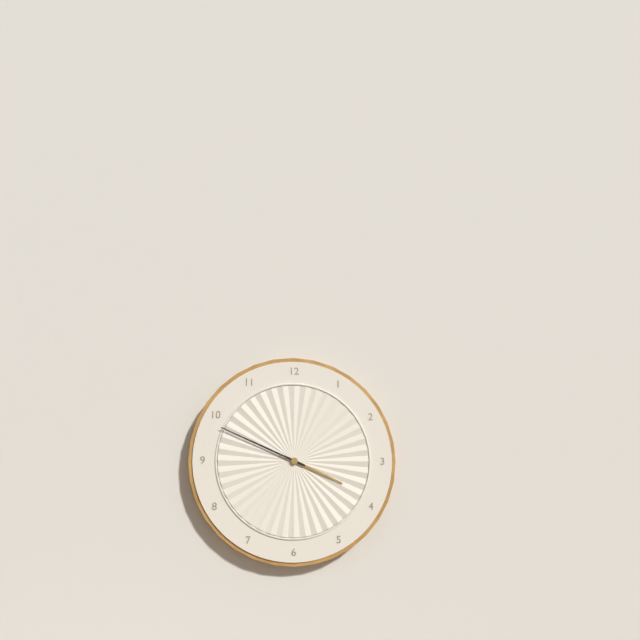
h=3 m=49
